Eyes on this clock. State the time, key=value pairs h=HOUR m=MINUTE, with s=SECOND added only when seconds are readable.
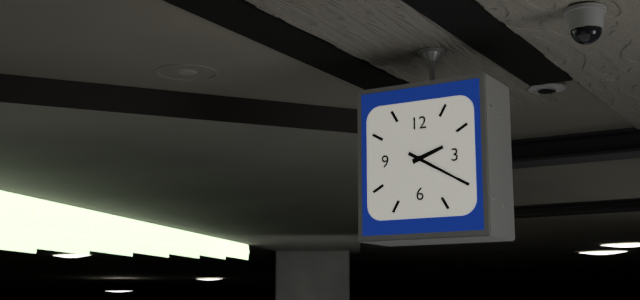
h=2 m=20
